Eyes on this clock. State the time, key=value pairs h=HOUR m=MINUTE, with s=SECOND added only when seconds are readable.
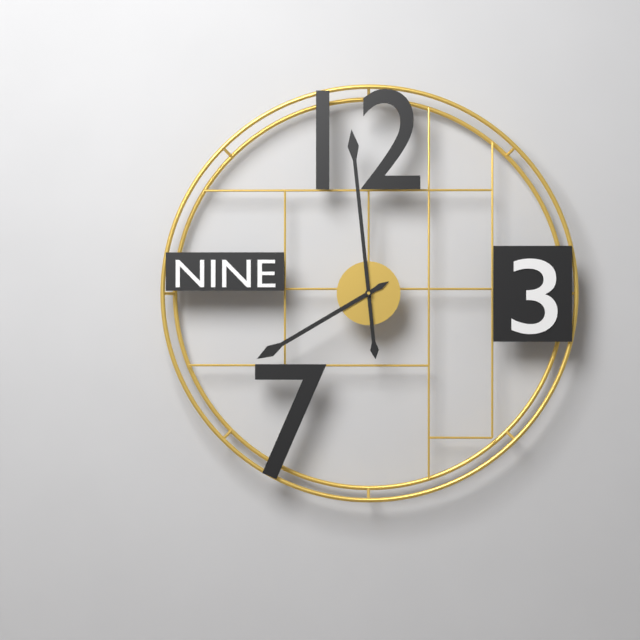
h=7 m=59
